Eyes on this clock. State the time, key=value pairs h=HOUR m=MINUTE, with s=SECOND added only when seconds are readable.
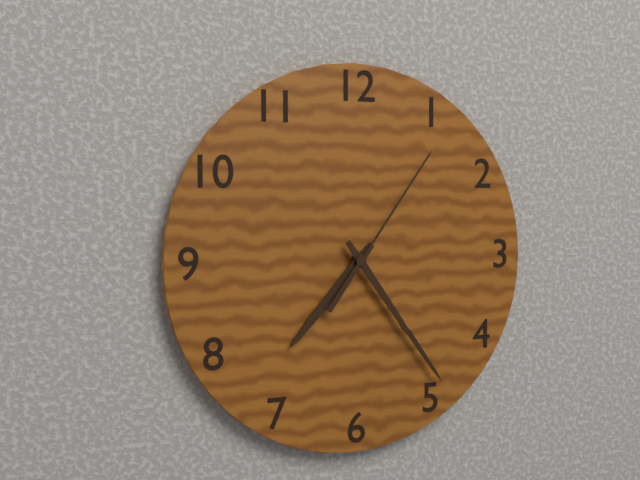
h=7 m=24 s=6
